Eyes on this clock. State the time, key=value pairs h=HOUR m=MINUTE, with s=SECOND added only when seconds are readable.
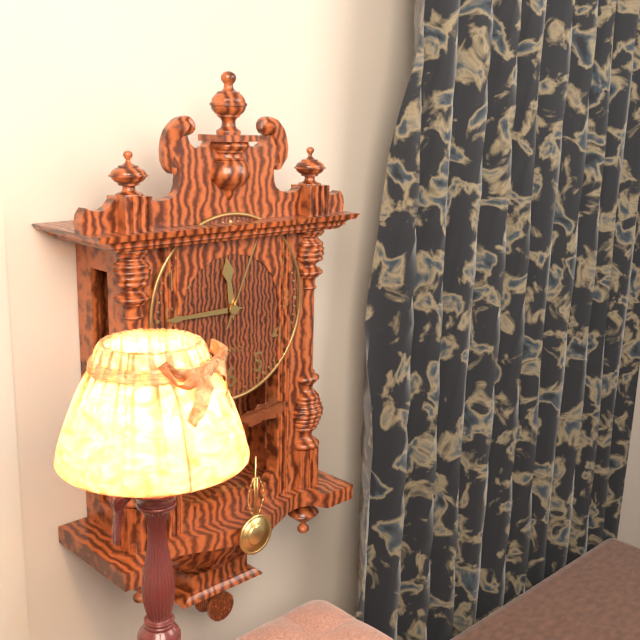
h=11 m=45 s=4
